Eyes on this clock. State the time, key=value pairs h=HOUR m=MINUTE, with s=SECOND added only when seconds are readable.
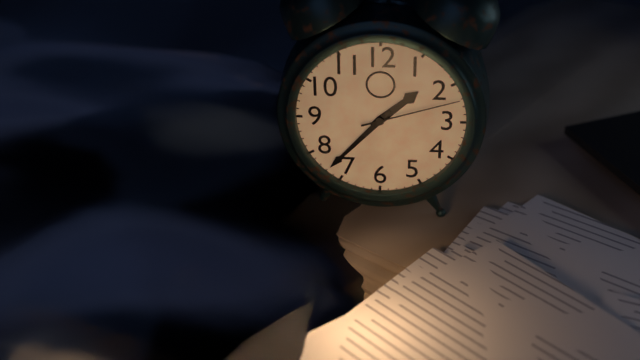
h=1 m=37 s=12
